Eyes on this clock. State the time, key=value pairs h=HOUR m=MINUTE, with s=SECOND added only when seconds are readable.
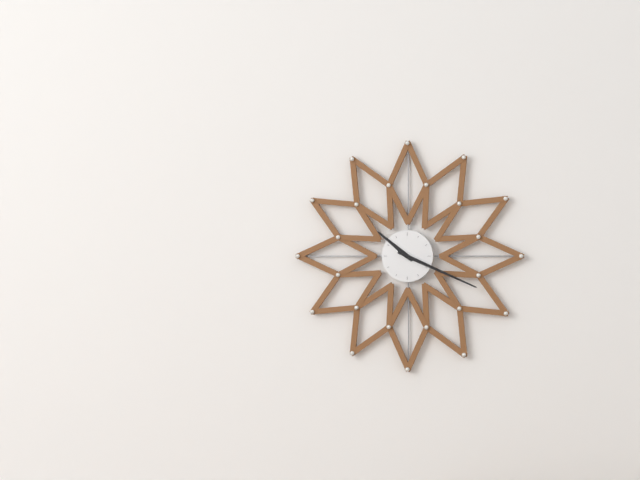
h=10 m=19
